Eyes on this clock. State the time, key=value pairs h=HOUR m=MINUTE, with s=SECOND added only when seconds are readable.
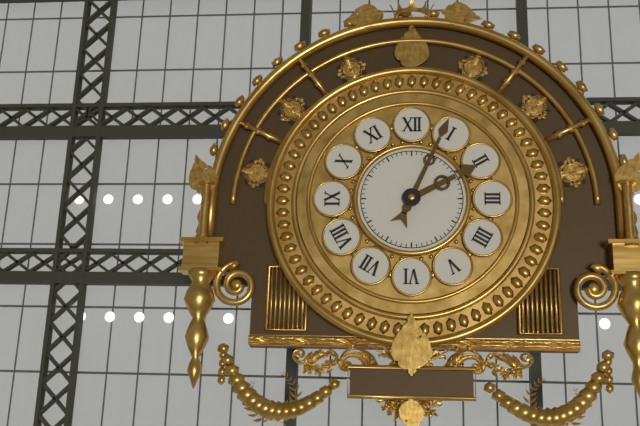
h=2 m=4
